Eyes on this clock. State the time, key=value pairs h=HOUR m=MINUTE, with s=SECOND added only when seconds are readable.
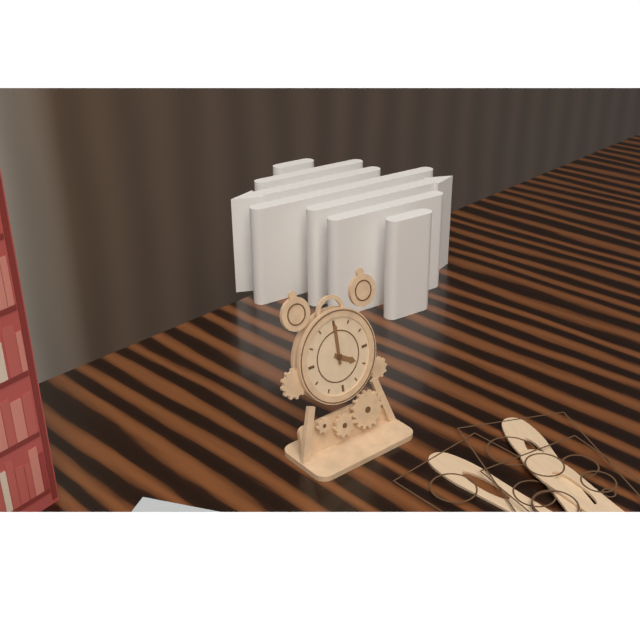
h=4 m=0
